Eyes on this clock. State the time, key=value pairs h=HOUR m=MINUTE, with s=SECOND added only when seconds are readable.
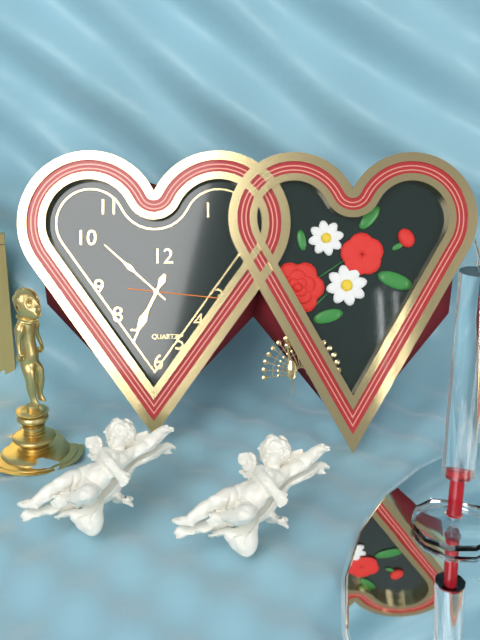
h=6 m=52 s=16
